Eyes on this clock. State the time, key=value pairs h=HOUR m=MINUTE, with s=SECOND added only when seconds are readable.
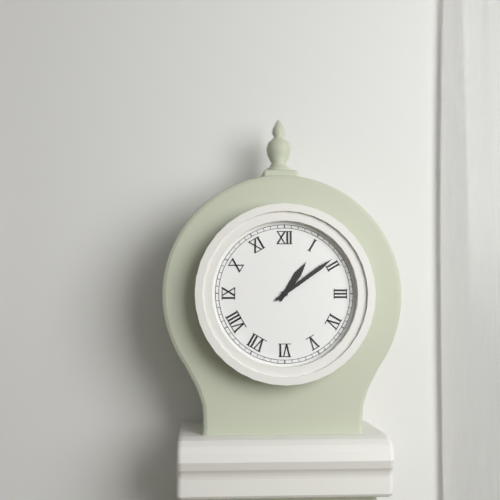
h=1 m=9
